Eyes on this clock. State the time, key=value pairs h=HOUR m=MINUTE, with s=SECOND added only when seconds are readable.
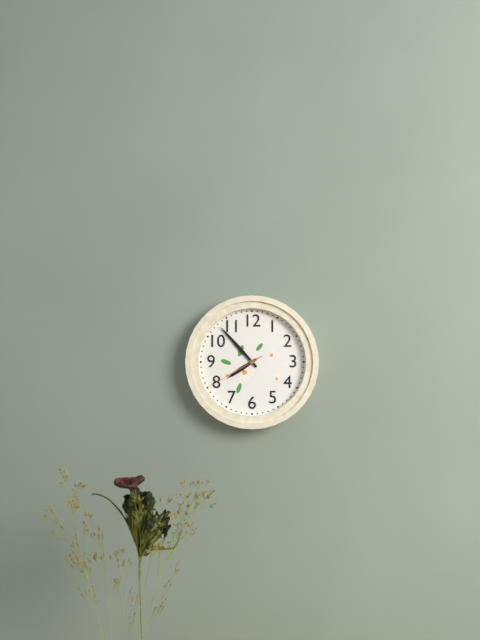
h=7 m=53 s=40
